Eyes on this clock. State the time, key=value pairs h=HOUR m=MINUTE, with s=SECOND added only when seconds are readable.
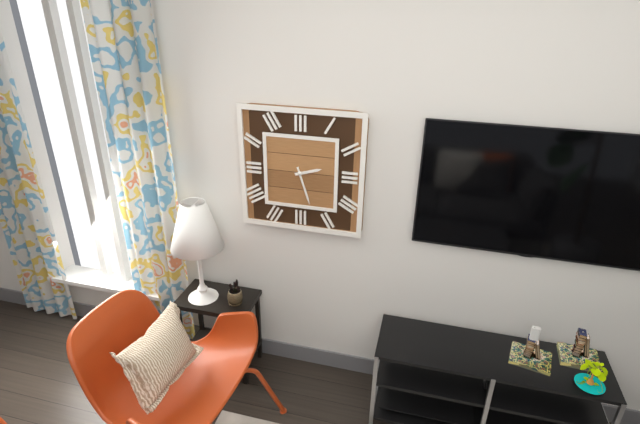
h=2 m=27
